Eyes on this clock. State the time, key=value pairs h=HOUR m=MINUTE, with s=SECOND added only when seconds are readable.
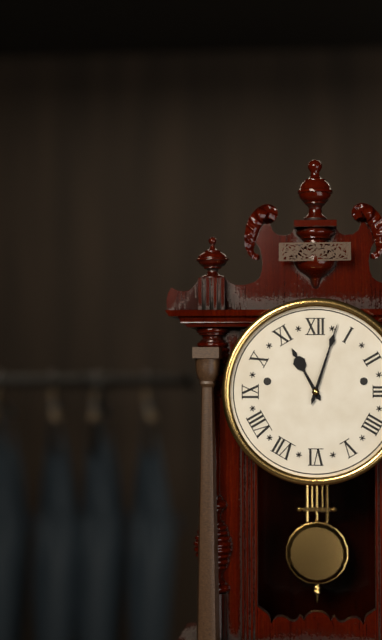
h=11 m=3
